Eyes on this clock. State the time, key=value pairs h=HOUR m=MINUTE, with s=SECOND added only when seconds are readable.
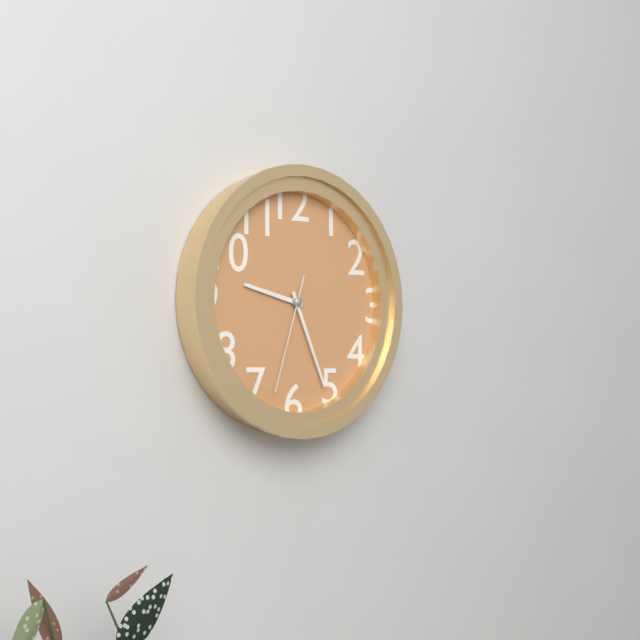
h=9 m=26 s=33
